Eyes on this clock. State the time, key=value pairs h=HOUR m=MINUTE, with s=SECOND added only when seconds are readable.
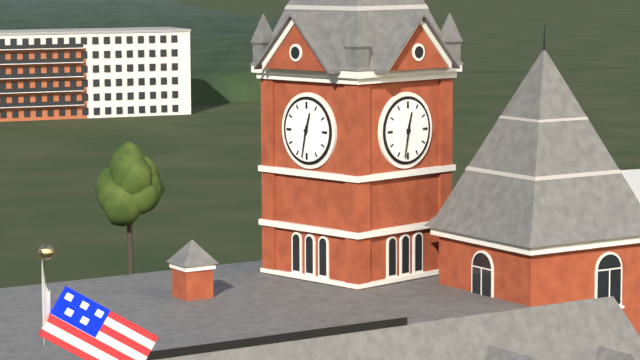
h=12 m=32
